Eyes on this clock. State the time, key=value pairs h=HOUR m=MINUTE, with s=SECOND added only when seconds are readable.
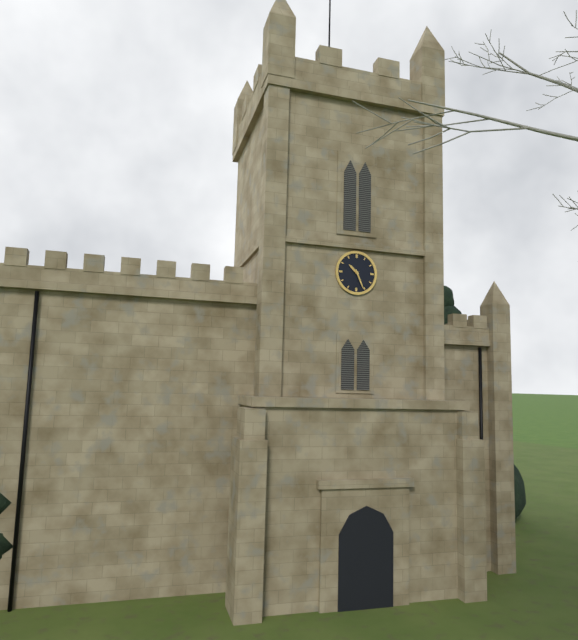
h=10 m=26
